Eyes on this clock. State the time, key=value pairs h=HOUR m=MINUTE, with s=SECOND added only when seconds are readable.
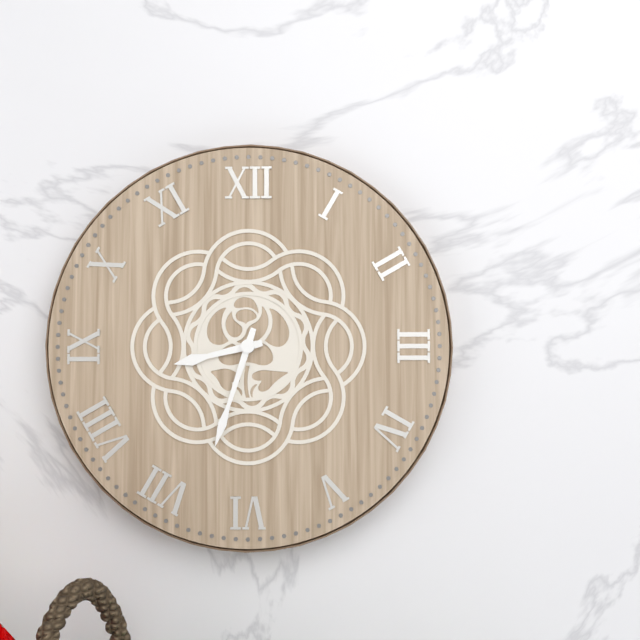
h=8 m=33
